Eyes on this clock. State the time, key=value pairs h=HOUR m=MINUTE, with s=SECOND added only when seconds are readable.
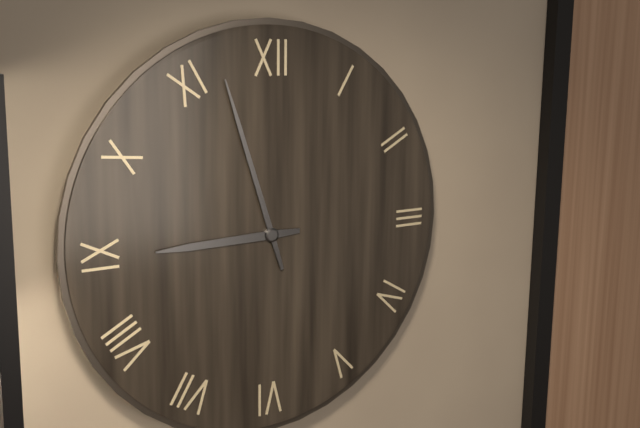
h=8 m=57
